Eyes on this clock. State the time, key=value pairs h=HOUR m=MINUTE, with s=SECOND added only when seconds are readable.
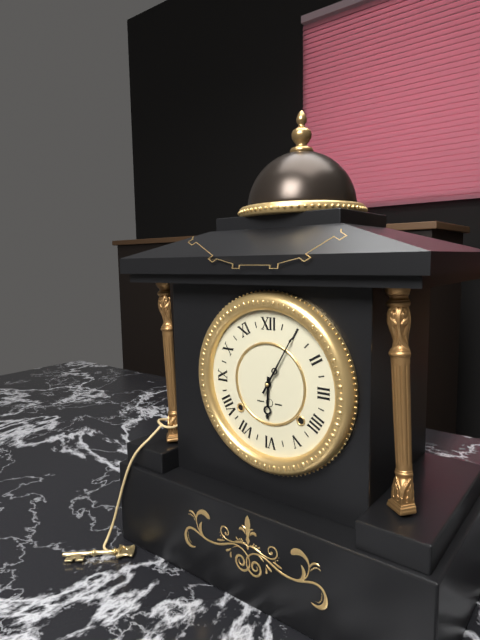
h=6 m=5
